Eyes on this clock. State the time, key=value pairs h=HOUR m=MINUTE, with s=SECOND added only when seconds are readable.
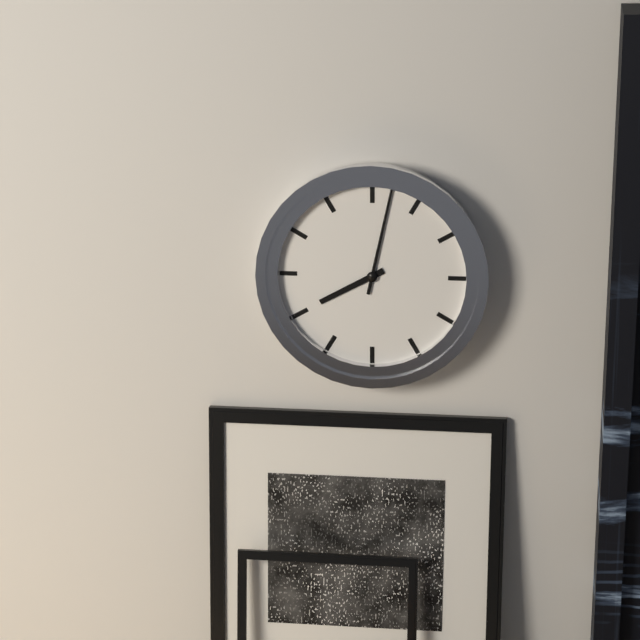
h=8 m=2
